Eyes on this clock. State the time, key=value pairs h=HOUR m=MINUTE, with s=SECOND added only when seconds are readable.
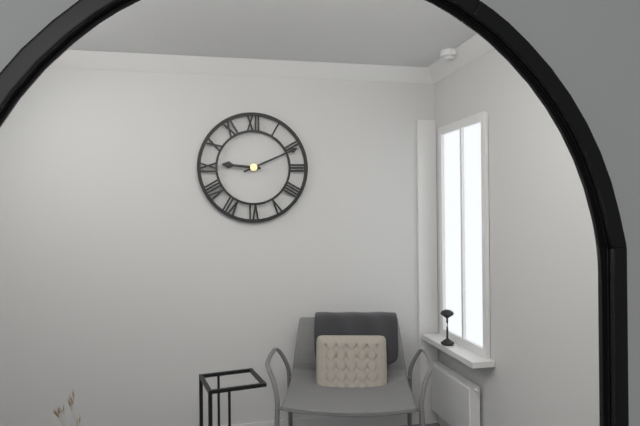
h=9 m=11
